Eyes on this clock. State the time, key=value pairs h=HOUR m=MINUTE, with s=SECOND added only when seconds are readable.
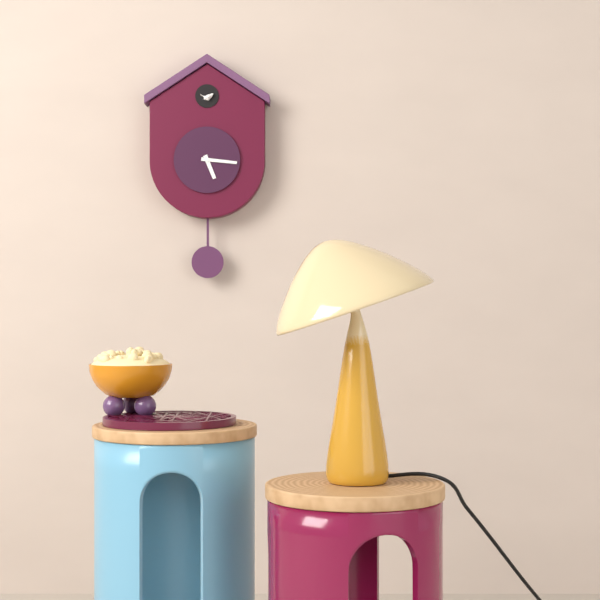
h=5 m=16
